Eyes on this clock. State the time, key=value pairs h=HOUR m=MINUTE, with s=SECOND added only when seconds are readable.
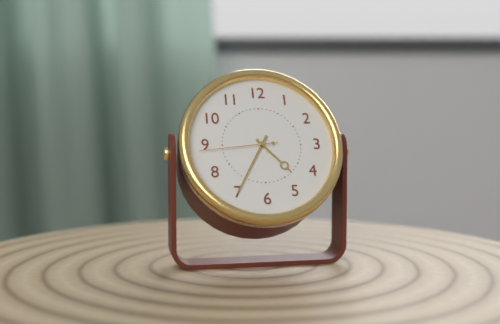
h=4 m=35 s=44
